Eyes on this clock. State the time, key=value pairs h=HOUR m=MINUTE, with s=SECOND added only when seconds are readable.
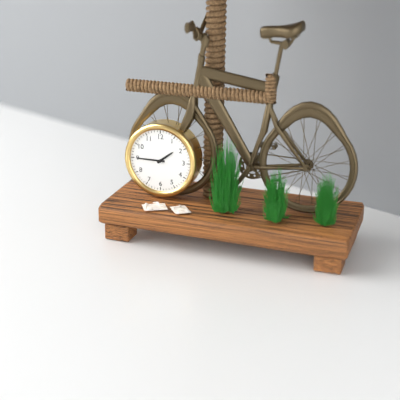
h=1 m=45
